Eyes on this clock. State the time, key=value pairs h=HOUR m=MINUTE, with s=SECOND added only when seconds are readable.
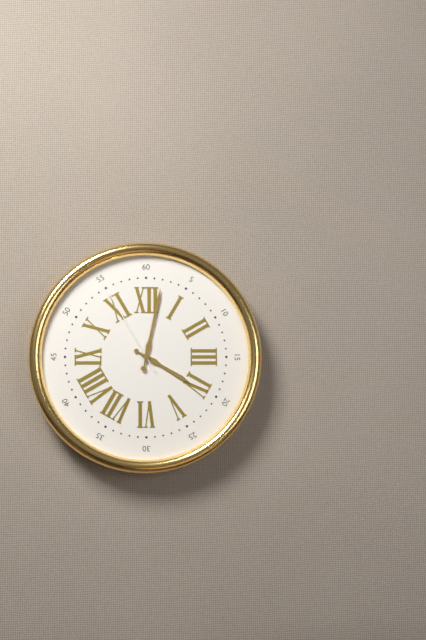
h=4 m=2 s=55
